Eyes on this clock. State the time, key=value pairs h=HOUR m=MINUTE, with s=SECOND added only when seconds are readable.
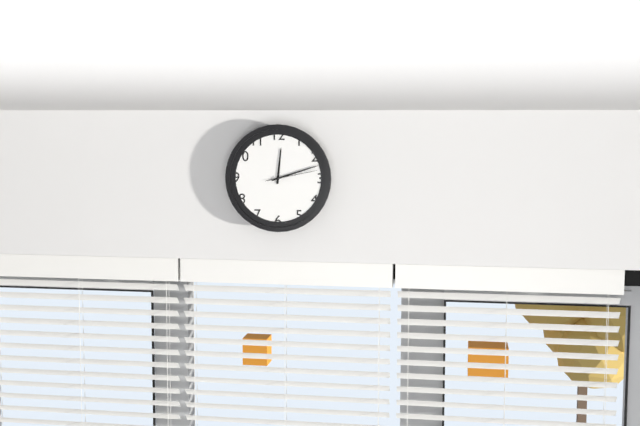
h=12 m=12 s=13
